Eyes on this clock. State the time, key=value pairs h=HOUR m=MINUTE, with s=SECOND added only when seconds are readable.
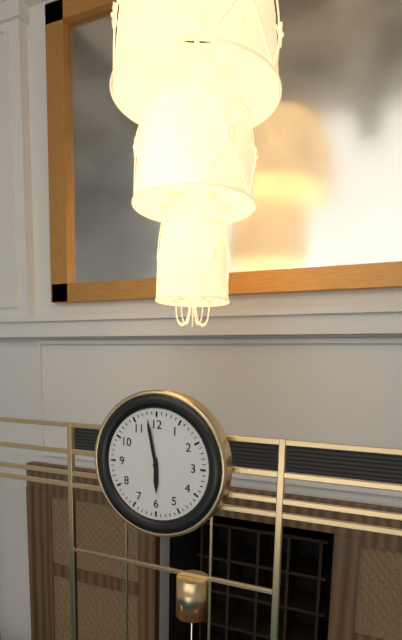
h=5 m=58
